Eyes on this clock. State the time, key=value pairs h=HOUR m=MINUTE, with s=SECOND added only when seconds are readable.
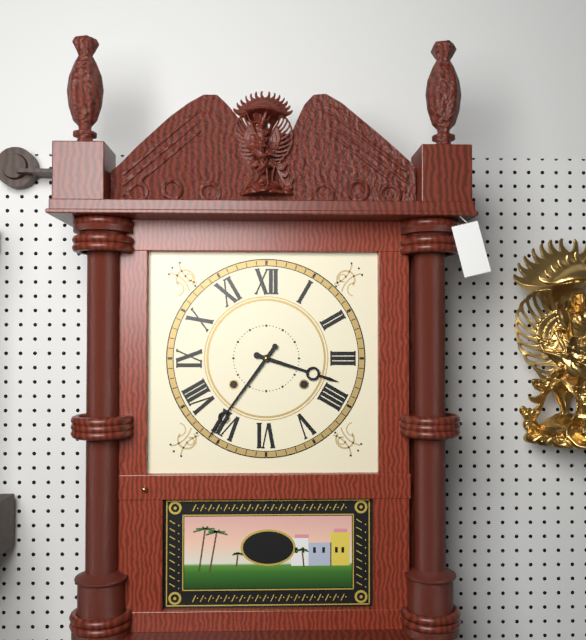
h=3 m=36
